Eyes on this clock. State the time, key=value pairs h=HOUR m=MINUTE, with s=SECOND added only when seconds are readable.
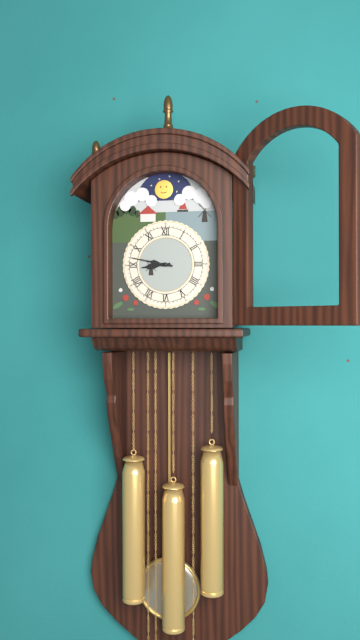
h=8 m=47
